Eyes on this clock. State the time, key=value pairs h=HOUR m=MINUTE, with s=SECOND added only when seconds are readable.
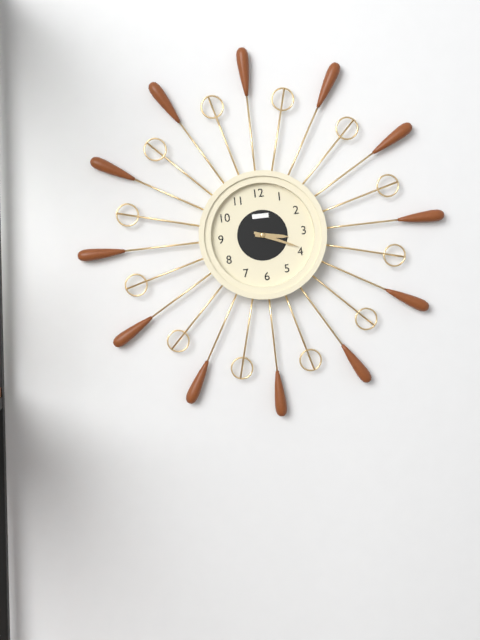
h=3 m=19
